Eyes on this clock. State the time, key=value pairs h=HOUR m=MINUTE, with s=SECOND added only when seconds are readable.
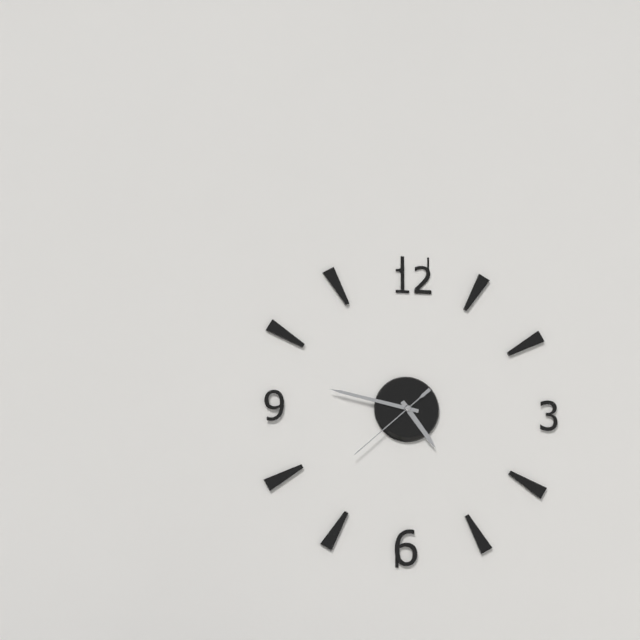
h=4 m=47 s=38
